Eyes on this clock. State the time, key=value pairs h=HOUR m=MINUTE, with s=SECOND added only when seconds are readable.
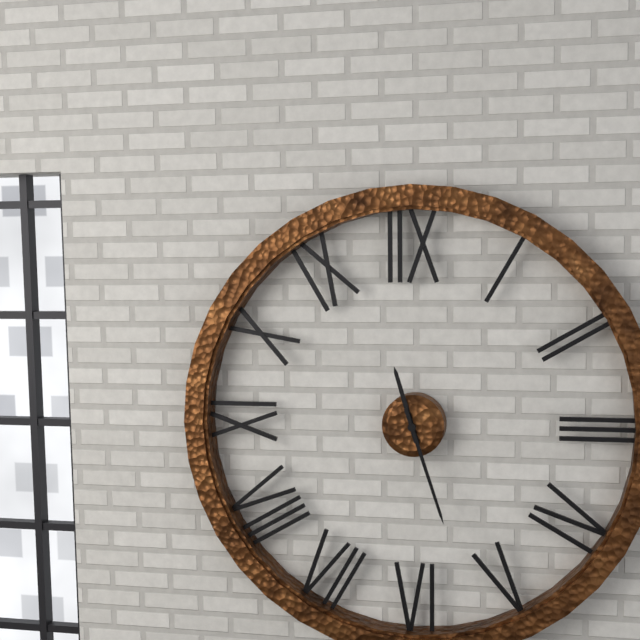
h=11 m=27
